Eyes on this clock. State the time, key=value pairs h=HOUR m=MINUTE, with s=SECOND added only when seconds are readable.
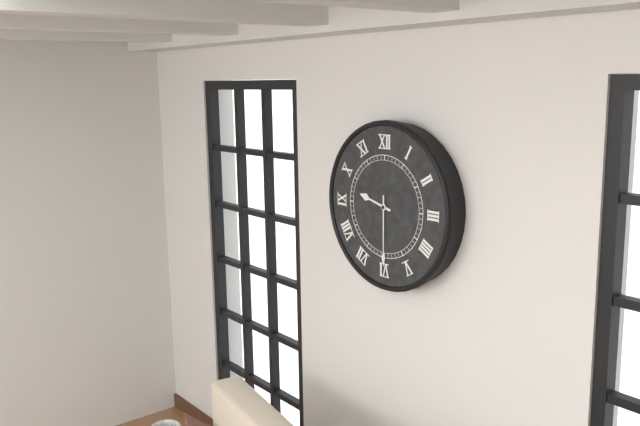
h=9 m=30
